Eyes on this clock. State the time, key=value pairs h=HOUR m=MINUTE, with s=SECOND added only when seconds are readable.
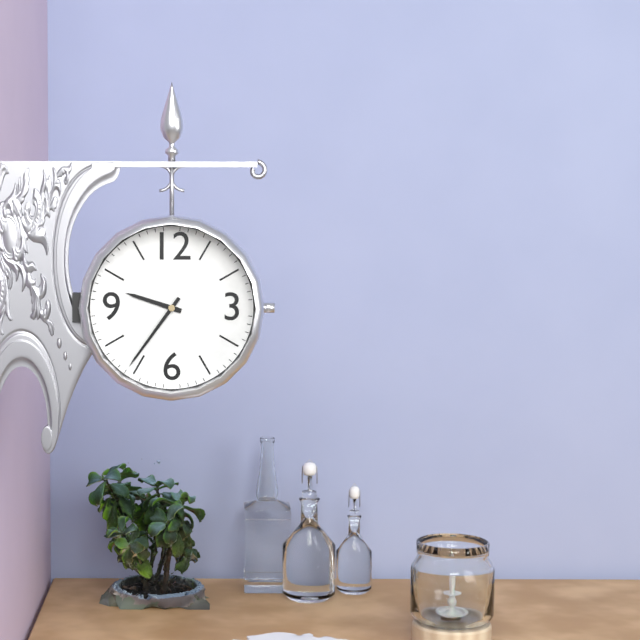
h=9 m=36
